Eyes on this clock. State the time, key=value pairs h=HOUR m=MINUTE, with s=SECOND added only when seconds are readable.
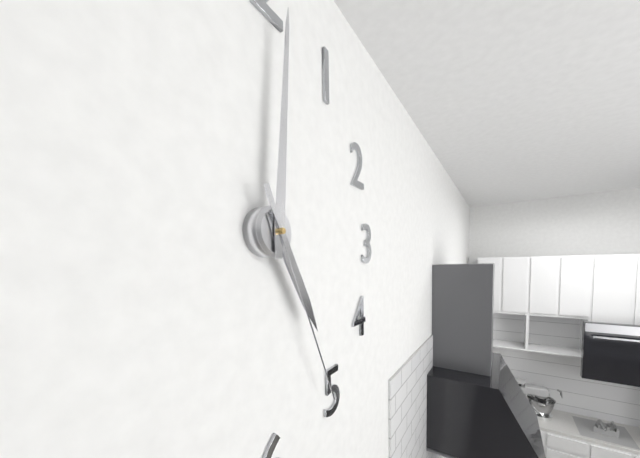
h=5 m=1 s=26
